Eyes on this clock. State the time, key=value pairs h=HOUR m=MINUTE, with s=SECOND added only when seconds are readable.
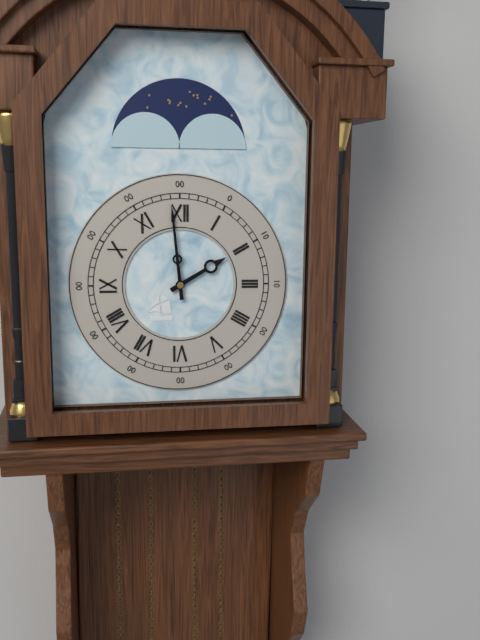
h=1 m=59
